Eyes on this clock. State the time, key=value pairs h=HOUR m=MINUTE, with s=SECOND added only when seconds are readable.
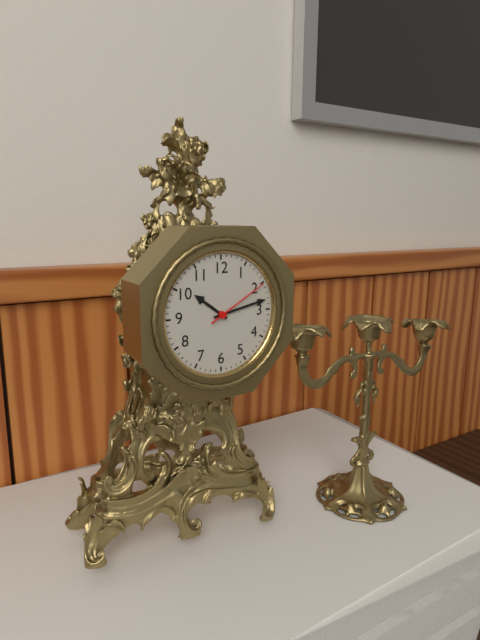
h=10 m=13 s=10
